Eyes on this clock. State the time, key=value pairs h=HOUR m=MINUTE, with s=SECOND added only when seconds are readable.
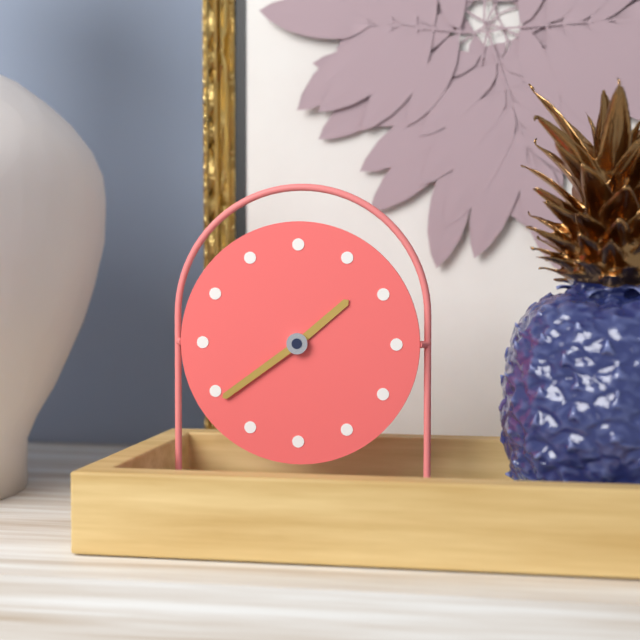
h=1 m=39
